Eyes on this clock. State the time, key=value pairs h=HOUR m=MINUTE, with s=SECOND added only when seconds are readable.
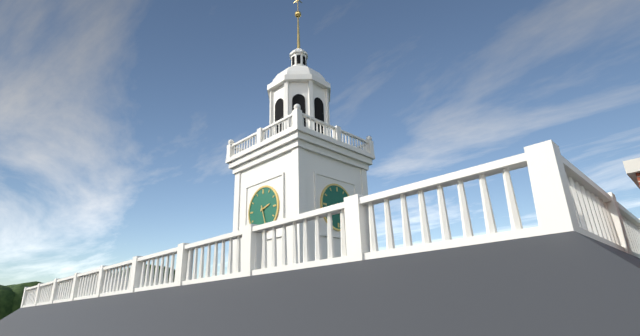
h=2 m=27
